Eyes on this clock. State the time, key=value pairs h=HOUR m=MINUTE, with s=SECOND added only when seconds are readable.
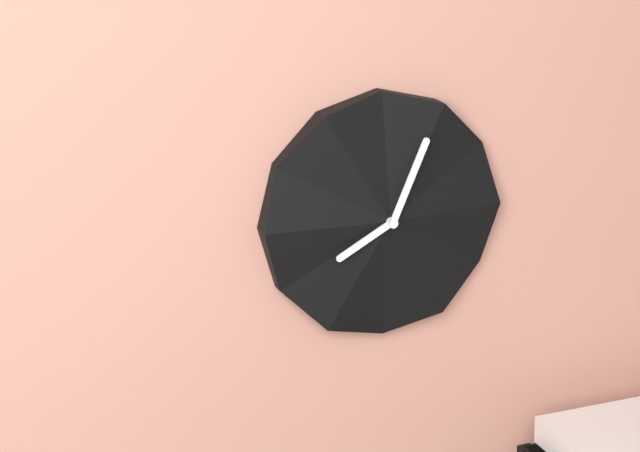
h=8 m=4
